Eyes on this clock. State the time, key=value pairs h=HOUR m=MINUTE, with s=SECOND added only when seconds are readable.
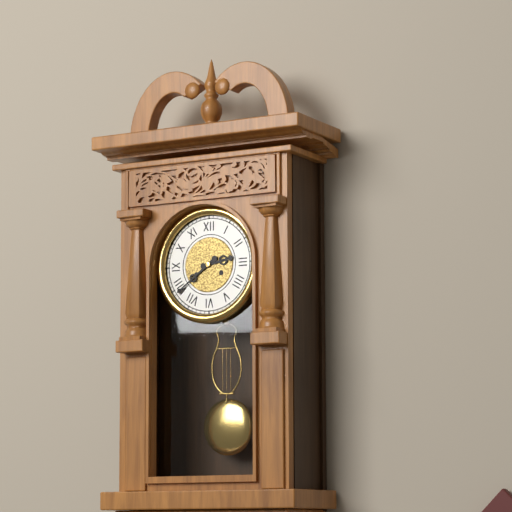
h=2 m=39
